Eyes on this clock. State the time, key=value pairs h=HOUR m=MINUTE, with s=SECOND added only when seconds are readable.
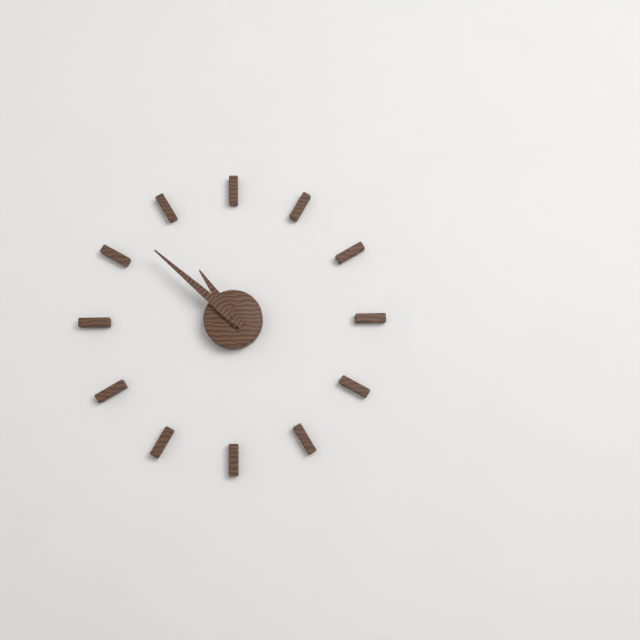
h=10 m=52
